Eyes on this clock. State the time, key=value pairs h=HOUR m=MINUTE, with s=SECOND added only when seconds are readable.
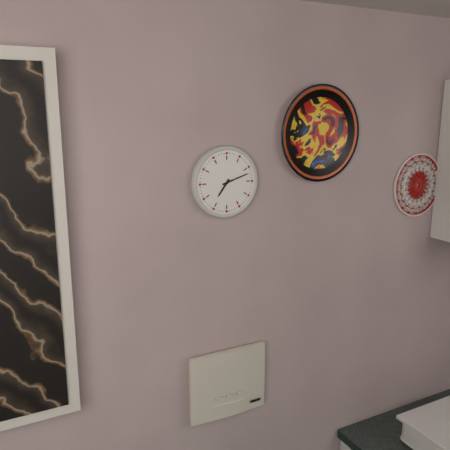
h=7 m=12
